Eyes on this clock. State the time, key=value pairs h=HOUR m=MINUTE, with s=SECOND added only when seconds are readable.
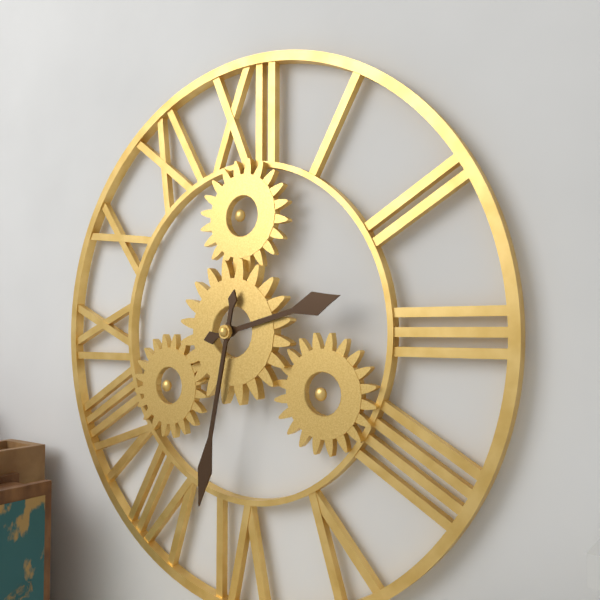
h=2 m=32
